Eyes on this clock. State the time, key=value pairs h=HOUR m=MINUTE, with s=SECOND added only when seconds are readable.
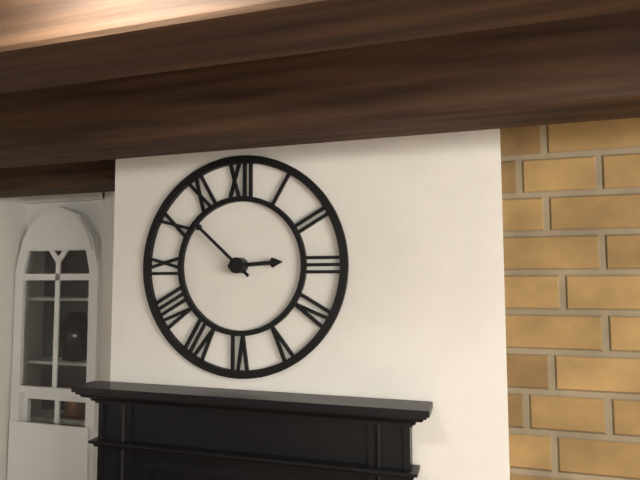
h=2 m=52
